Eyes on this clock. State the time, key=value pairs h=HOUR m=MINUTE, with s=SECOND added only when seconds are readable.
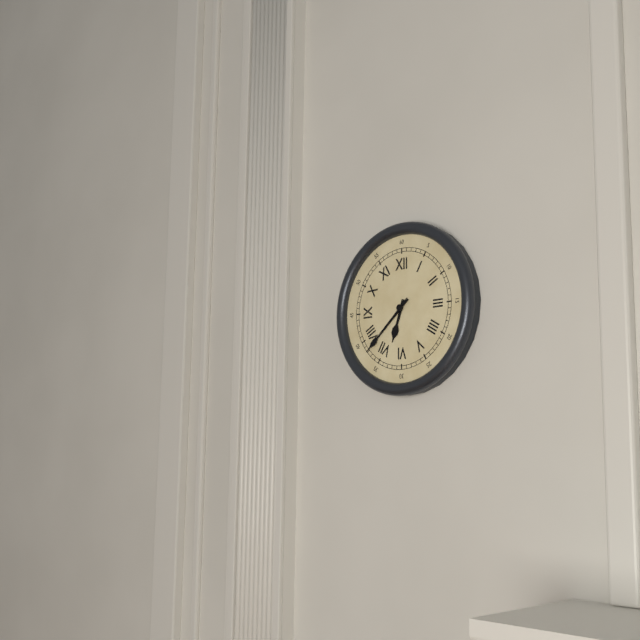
h=6 m=38
